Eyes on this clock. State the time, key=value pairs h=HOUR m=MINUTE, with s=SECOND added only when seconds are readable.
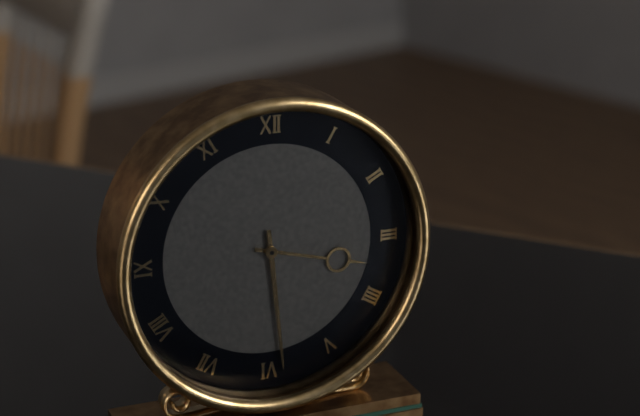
h=3 m=29
